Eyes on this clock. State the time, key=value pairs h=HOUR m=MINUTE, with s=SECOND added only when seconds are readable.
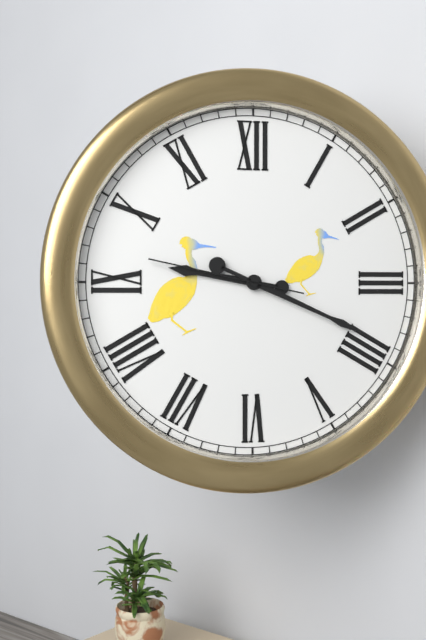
h=9 m=19 s=47
